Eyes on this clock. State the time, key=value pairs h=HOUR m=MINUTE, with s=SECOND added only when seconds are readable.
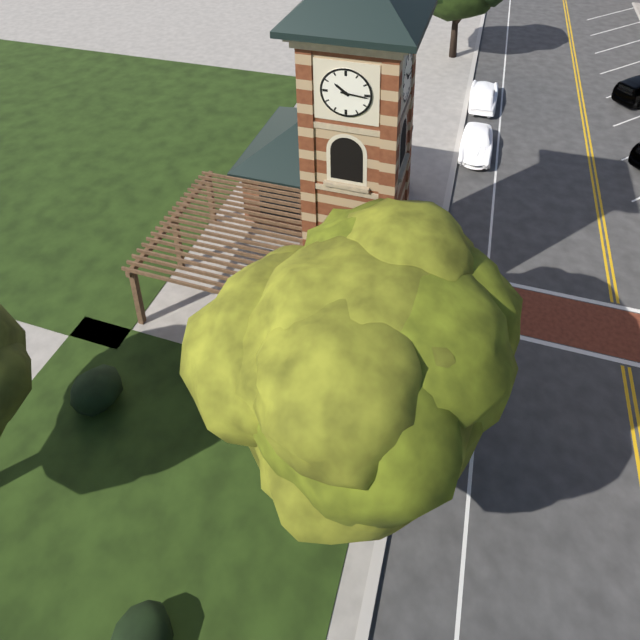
h=10 m=16
